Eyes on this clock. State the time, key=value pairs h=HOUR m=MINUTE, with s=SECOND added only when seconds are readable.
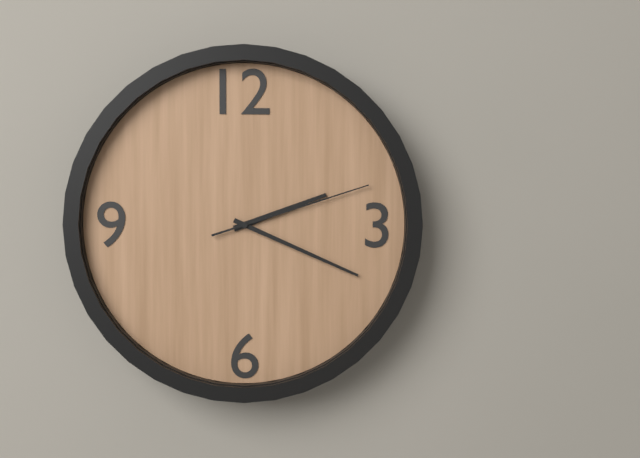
h=2 m=19 s=12
